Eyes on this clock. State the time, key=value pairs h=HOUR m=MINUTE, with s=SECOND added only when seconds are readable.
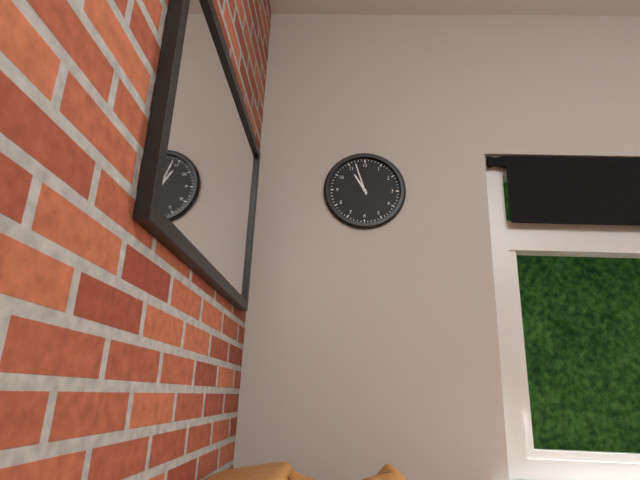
h=10 m=57
